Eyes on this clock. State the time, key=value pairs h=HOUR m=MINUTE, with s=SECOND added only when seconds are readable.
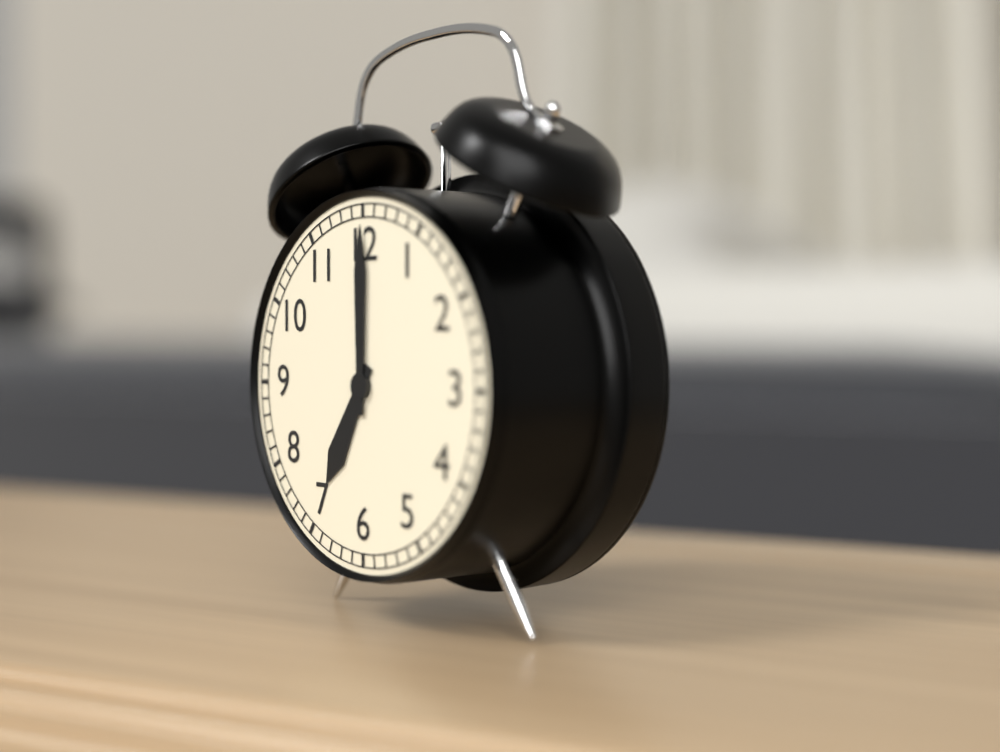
h=7 m=0
